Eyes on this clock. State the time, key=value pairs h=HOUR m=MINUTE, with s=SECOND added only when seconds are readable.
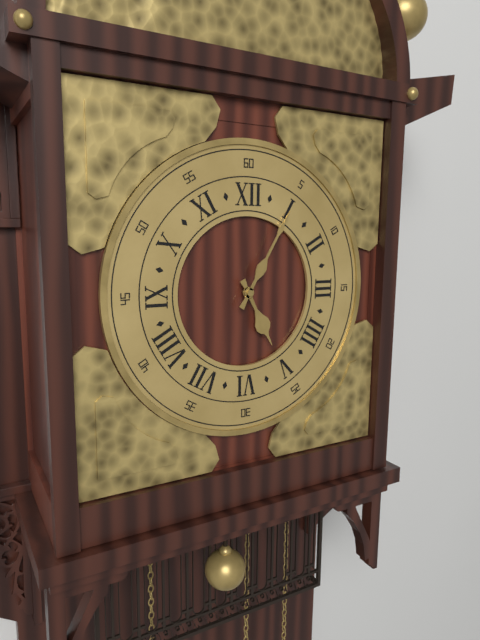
h=5 m=5
